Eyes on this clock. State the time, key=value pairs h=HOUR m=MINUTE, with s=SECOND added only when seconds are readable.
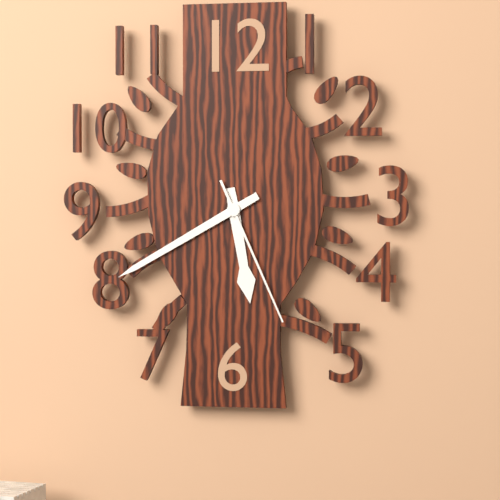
h=5 m=40 s=26
